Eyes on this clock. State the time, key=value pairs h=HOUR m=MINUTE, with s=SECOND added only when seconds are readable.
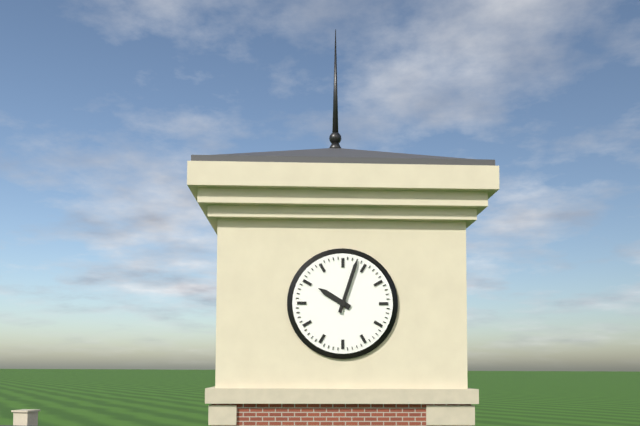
h=10 m=3
